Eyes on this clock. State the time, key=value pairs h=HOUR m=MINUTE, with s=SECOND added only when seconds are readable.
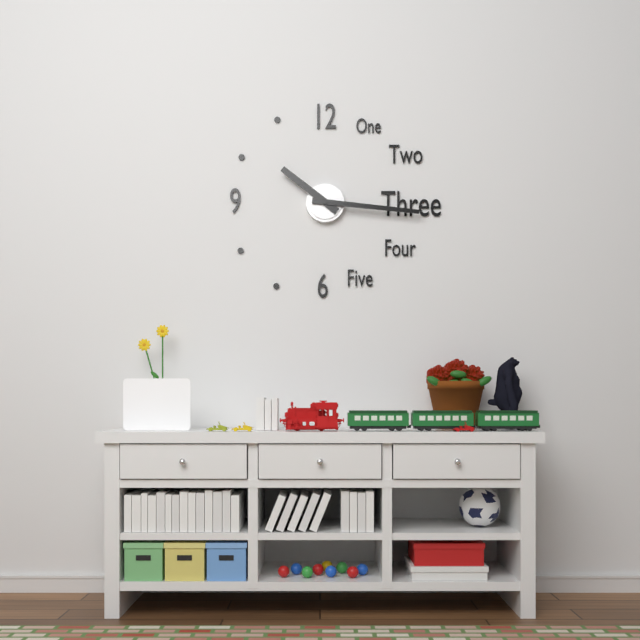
h=10 m=16
